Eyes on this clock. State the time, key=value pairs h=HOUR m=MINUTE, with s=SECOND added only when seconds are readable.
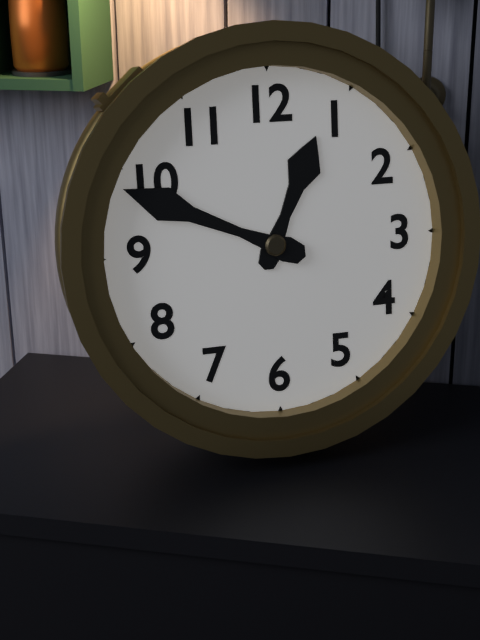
h=12 m=49
